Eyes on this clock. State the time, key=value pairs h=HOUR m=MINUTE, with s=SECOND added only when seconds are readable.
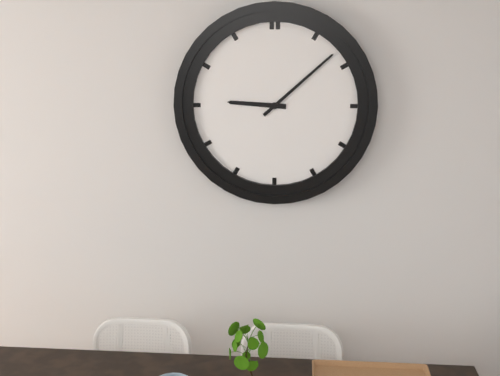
h=9 m=8
